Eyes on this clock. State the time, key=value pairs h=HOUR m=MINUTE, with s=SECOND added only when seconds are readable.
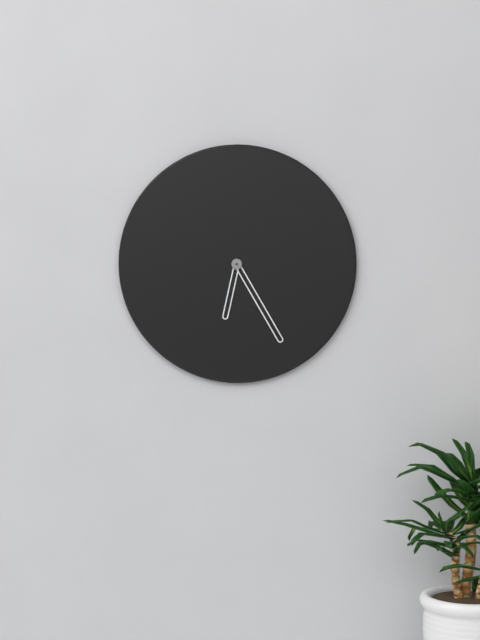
h=6 m=25
